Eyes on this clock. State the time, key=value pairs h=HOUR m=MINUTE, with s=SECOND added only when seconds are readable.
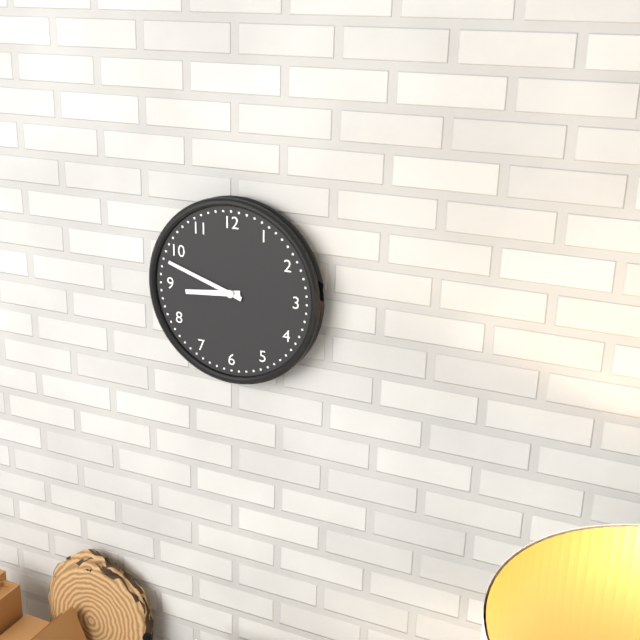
h=8 m=48
